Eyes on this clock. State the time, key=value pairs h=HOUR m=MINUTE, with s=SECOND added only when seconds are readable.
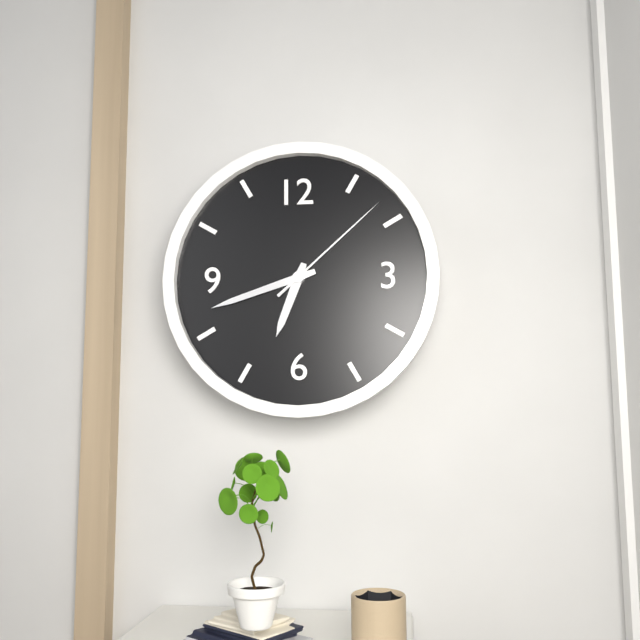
h=6 m=42 s=8
